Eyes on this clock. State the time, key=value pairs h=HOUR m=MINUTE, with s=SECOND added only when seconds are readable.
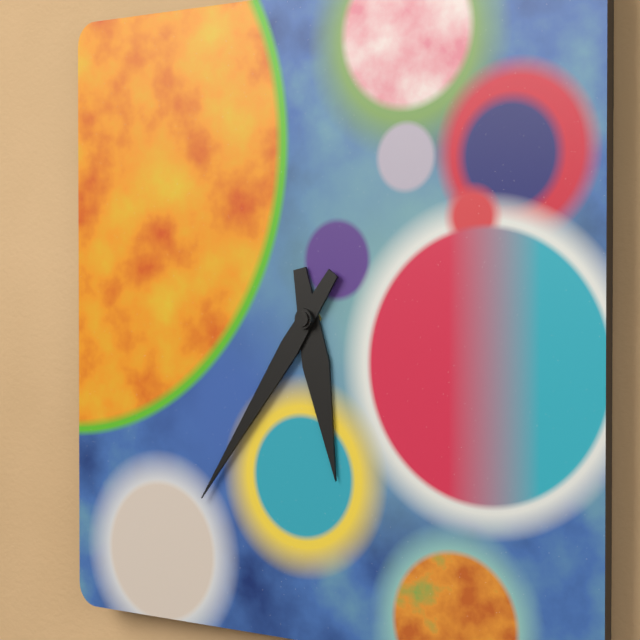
h=5 m=36
